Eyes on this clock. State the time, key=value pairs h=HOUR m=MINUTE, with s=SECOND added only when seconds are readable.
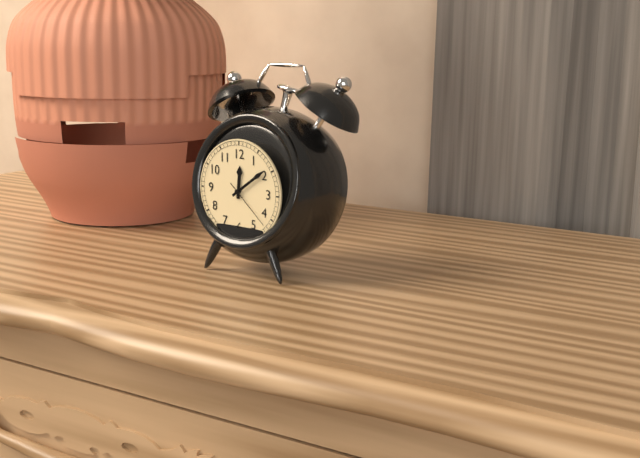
h=12 m=9 s=22
